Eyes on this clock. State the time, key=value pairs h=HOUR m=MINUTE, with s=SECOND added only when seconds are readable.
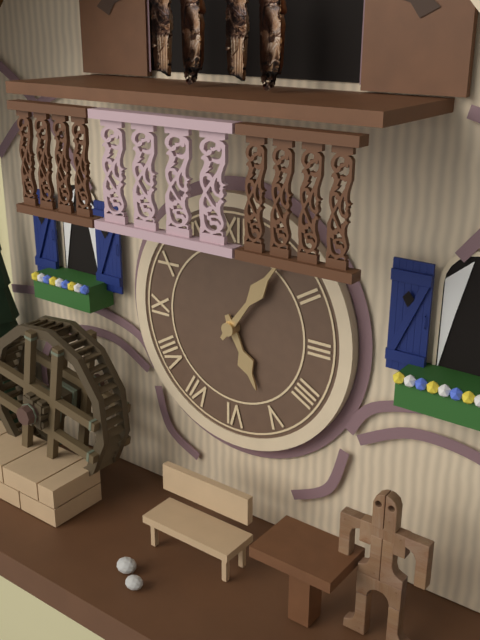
h=5 m=6
